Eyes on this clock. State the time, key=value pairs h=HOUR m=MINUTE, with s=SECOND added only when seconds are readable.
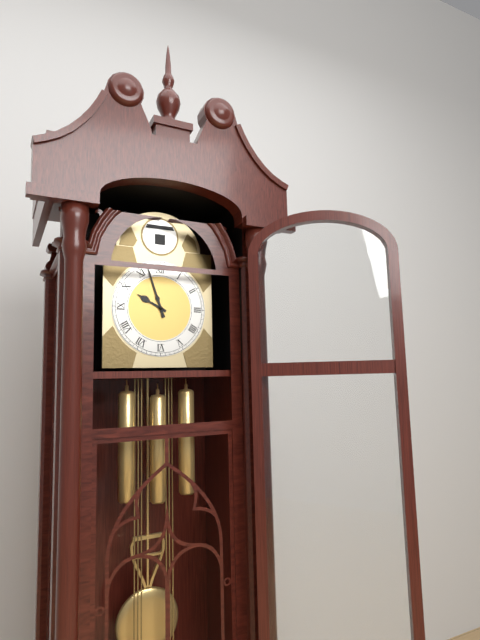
h=9 m=57
